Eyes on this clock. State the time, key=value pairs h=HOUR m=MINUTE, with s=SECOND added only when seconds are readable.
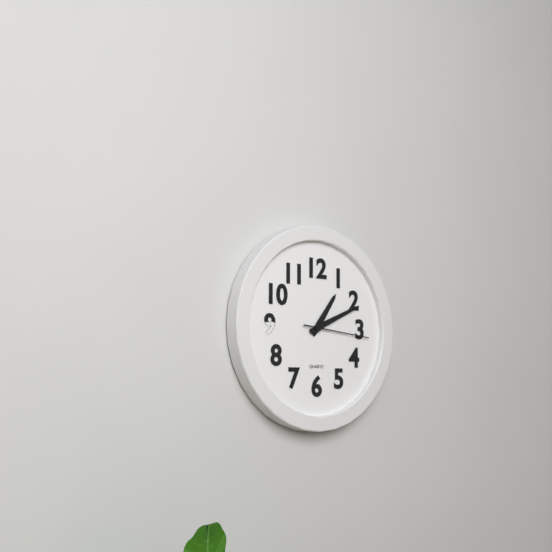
h=1 m=11 s=16
